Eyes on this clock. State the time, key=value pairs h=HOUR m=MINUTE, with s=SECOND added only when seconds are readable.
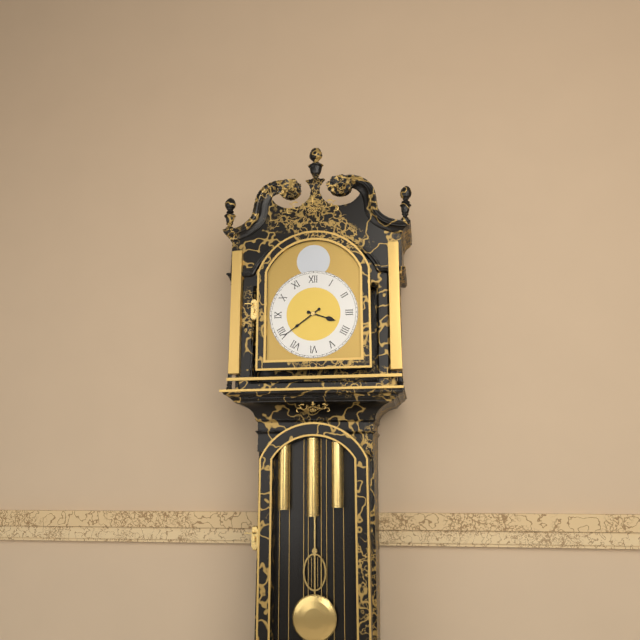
h=3 m=39
